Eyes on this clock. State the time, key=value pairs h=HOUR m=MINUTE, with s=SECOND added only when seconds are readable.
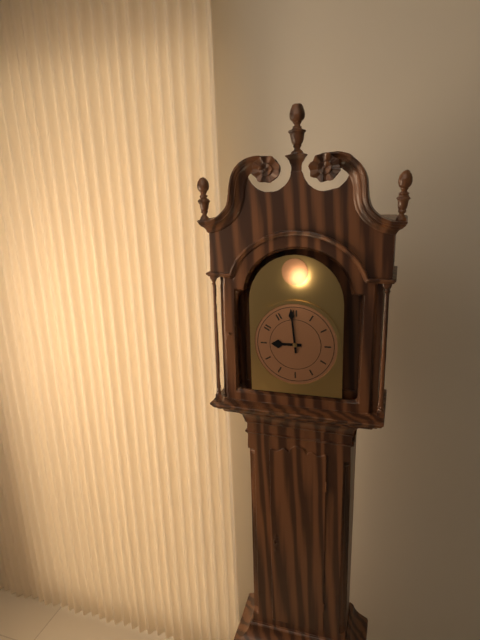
h=8 m=59
